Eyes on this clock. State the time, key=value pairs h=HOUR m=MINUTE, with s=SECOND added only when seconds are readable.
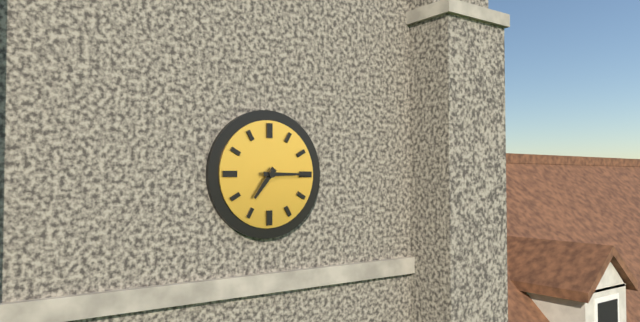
h=7 m=15
